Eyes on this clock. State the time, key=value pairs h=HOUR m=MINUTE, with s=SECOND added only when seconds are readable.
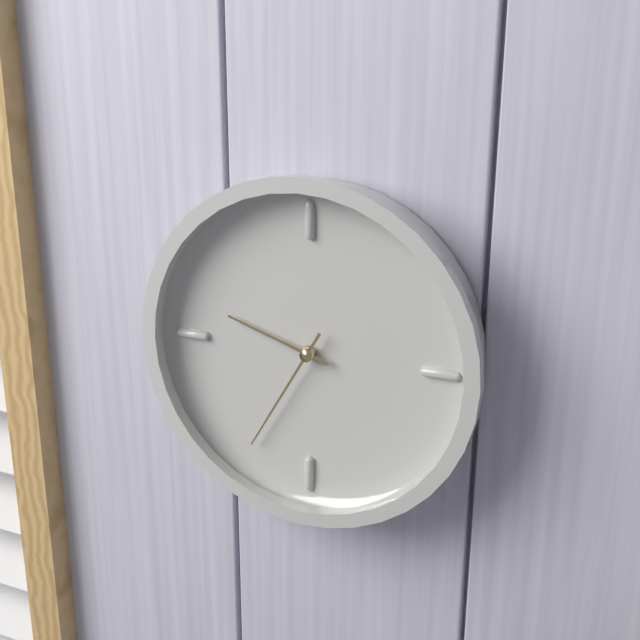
h=9 m=35
